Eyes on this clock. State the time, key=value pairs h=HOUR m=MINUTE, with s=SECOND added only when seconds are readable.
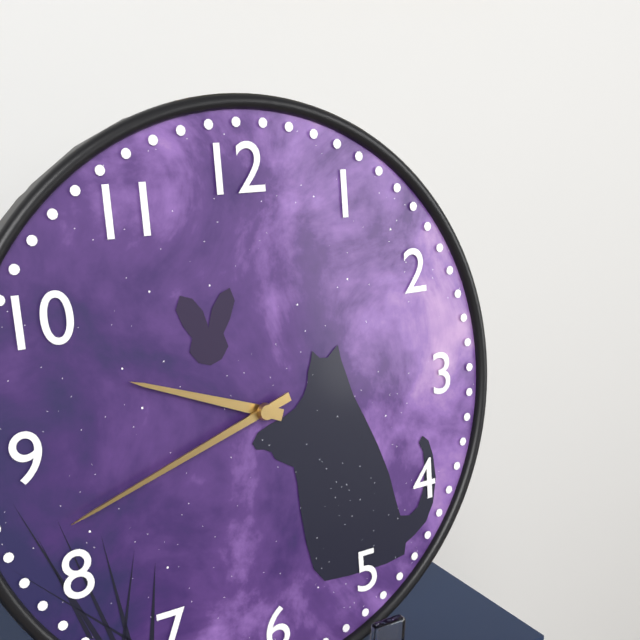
h=9 m=42
